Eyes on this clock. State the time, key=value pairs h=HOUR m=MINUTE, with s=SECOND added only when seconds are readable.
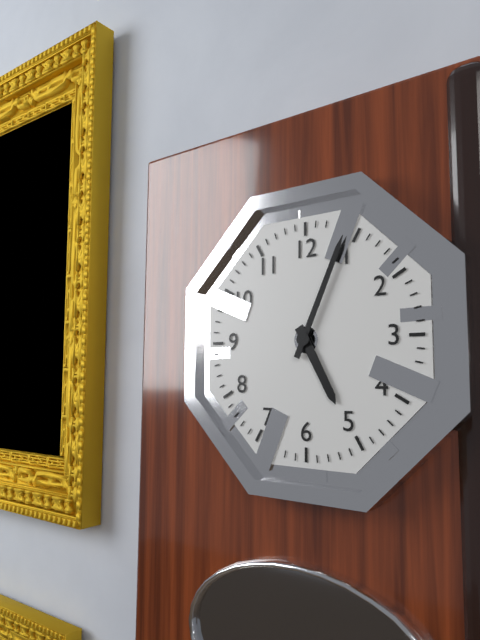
h=5 m=4
